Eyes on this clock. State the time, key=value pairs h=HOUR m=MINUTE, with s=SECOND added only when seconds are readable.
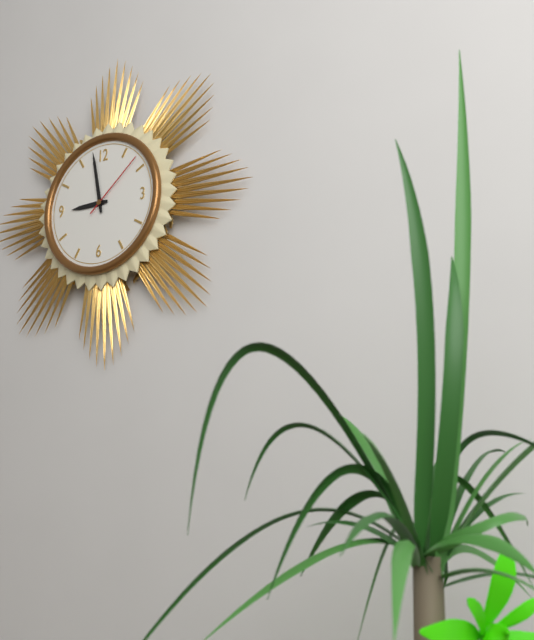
h=8 m=58 s=8
